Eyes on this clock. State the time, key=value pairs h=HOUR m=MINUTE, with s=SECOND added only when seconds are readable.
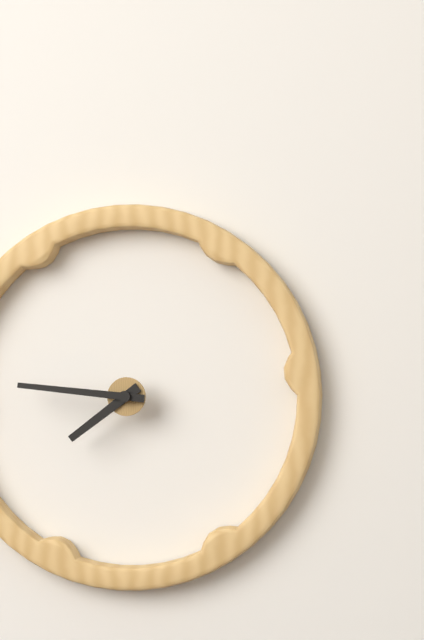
h=7 m=46
